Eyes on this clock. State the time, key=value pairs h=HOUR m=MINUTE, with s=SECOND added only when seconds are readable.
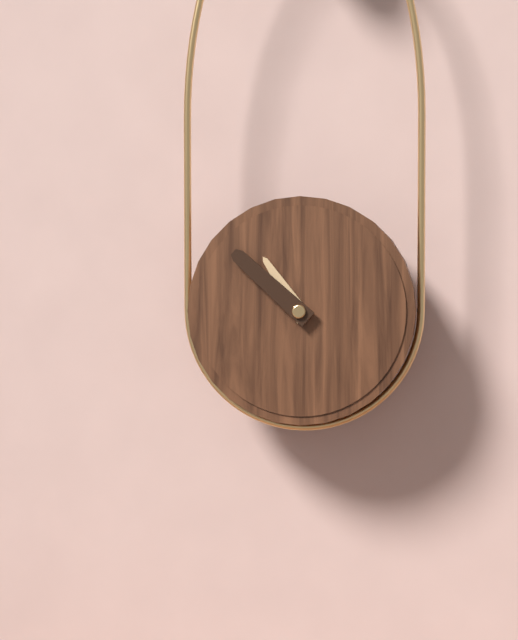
h=10 m=52
